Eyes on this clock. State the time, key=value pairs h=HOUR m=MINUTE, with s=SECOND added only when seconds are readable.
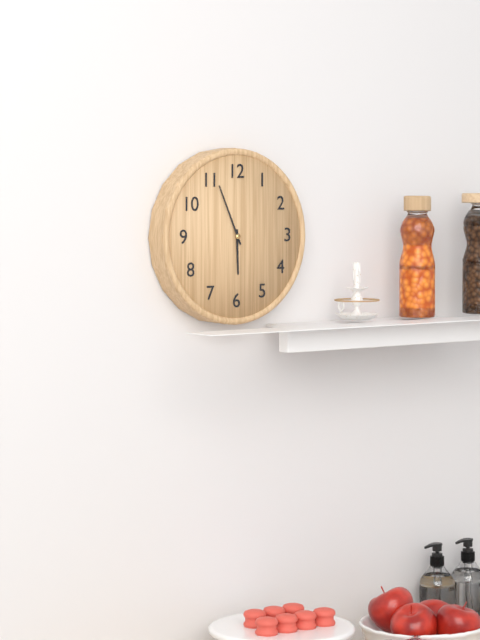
h=5 m=56
